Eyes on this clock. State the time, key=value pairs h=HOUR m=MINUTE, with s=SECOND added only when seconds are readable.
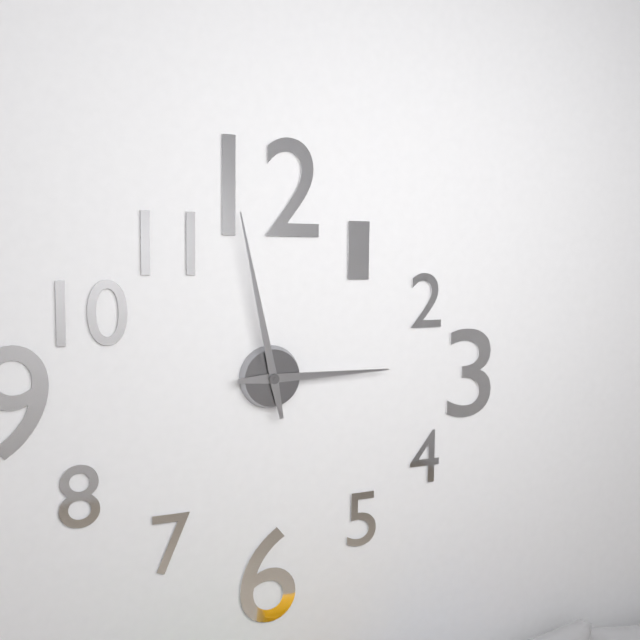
h=2 m=58
